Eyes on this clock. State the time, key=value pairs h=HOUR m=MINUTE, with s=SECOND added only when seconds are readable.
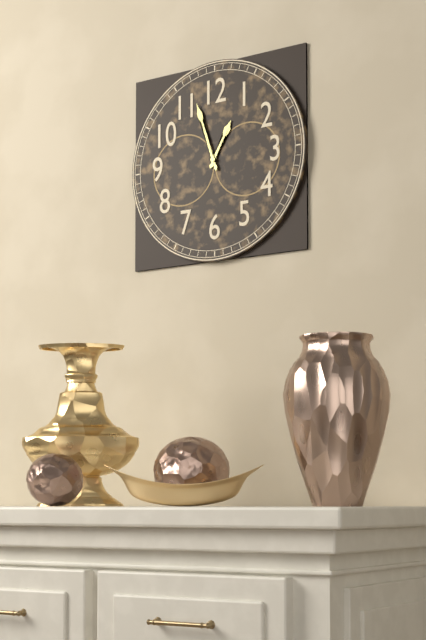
h=12 m=57
